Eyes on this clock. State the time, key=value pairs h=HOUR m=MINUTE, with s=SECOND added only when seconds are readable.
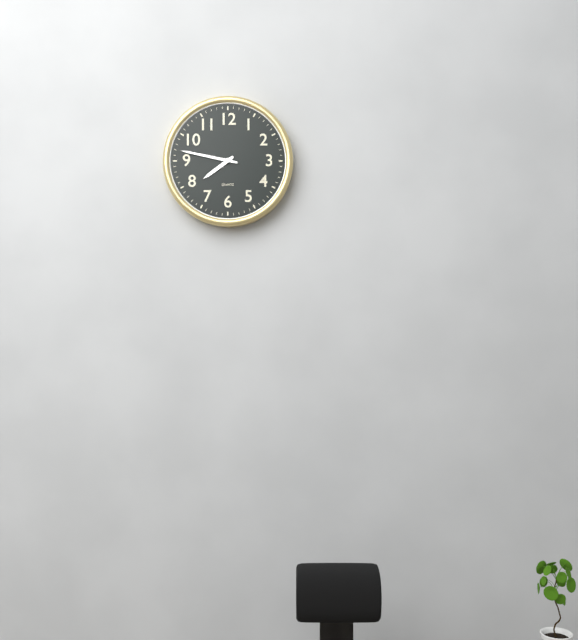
h=7 m=47
